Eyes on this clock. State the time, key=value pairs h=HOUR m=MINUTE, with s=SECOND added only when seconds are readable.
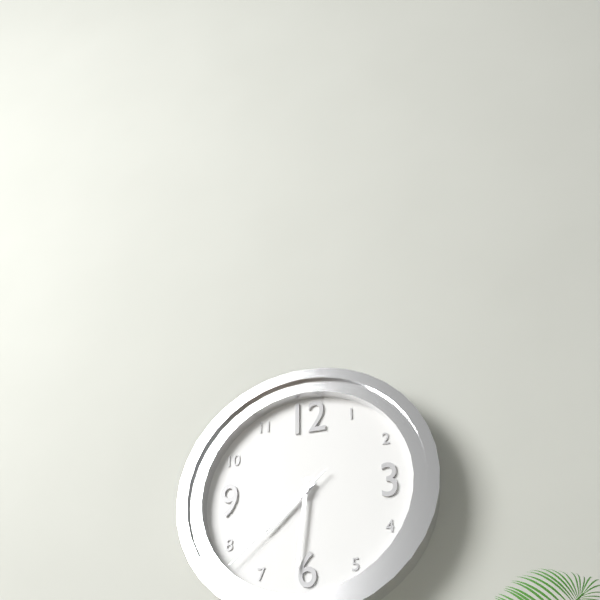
h=7 m=31 s=38
